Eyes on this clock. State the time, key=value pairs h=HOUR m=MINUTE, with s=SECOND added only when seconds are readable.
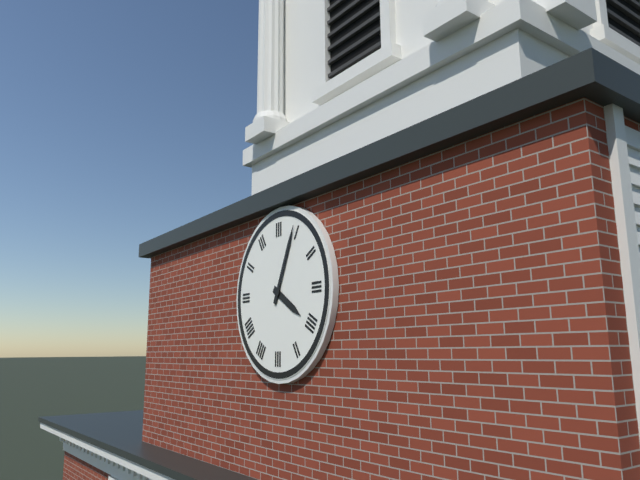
h=4 m=4
